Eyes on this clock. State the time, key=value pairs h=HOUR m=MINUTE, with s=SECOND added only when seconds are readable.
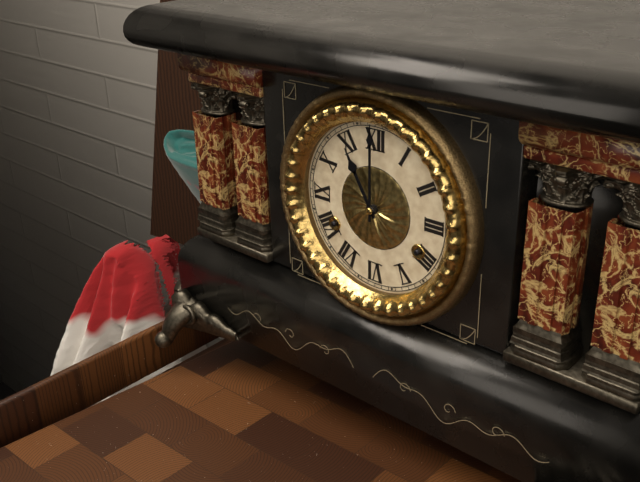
h=11 m=0
